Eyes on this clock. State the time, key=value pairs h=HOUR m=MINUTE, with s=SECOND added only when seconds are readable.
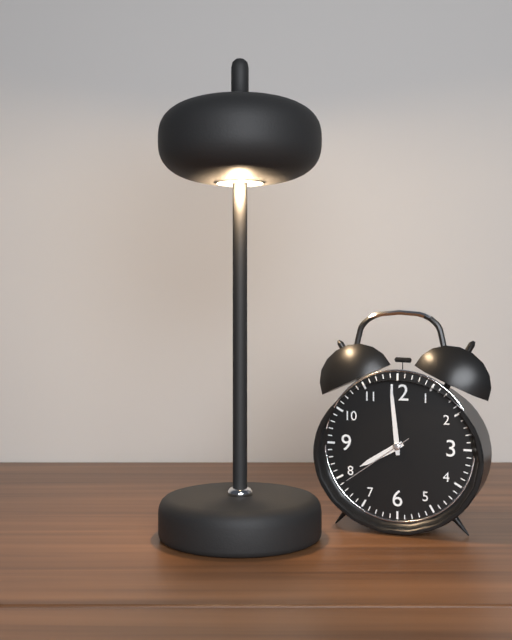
h=7 m=59 s=39
